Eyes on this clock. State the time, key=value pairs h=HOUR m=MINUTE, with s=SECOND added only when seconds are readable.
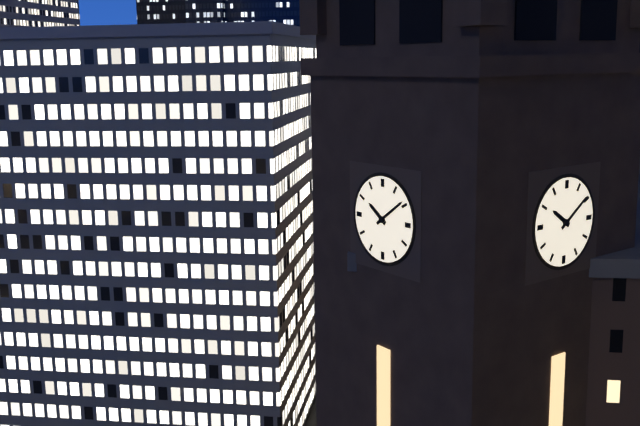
h=10 m=9
